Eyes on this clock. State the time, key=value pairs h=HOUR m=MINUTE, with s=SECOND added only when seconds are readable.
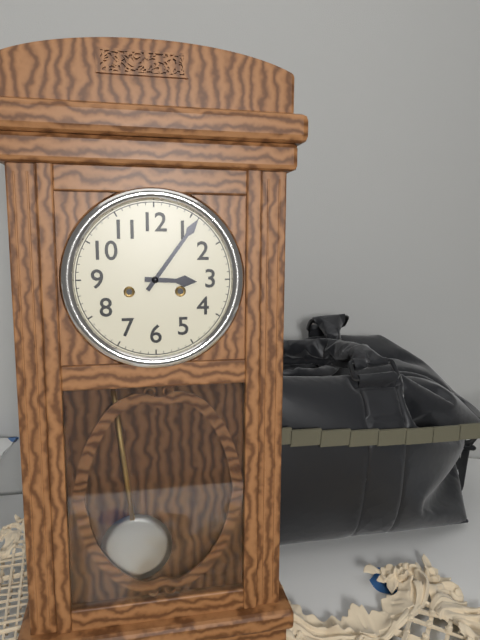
h=3 m=6
